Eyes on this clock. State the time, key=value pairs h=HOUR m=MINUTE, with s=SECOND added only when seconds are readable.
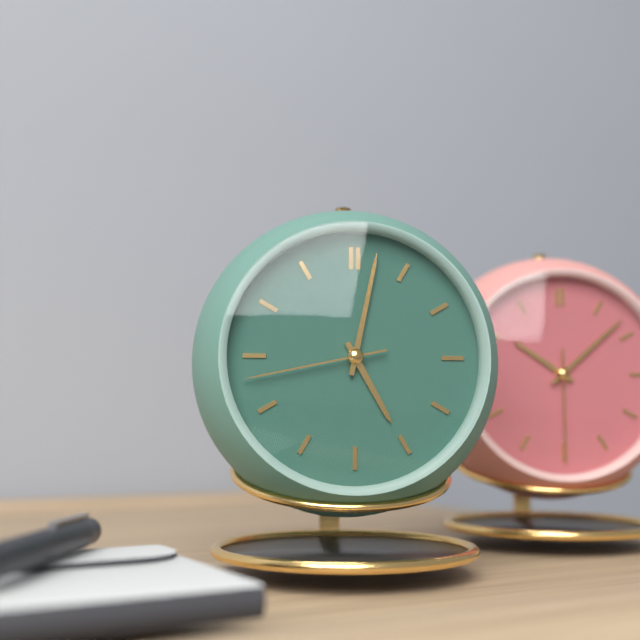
h=5 m=2 s=43
